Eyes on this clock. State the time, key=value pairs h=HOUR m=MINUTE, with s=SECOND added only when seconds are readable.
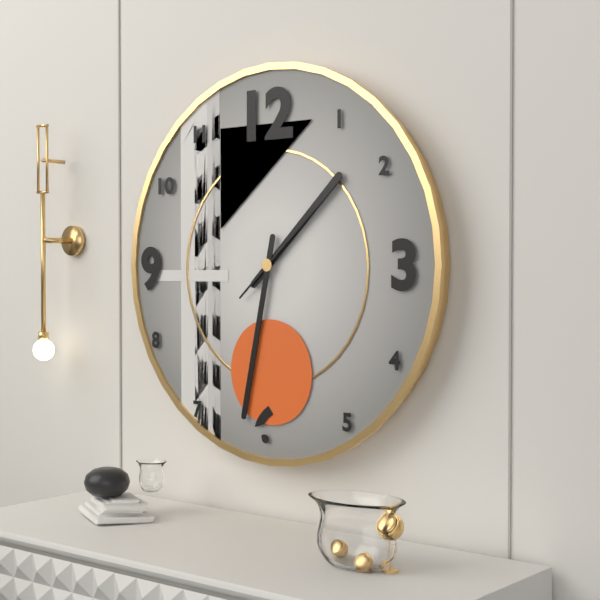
h=1 m=32 s=8
